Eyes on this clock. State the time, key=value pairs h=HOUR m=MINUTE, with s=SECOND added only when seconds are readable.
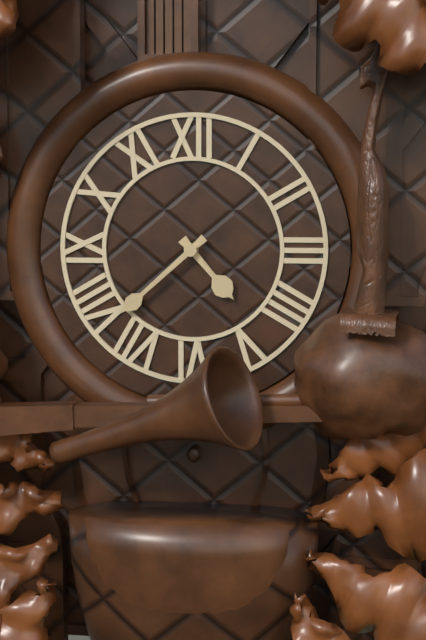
h=4 m=38
